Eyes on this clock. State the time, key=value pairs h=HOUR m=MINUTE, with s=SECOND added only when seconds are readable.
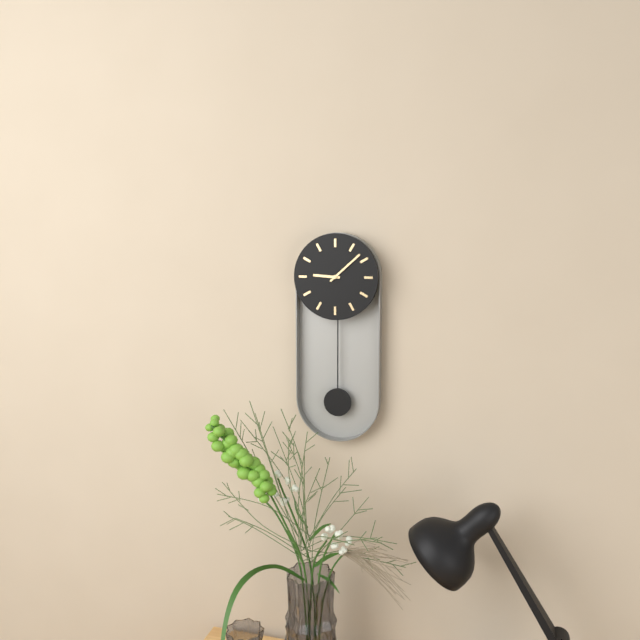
h=9 m=8
